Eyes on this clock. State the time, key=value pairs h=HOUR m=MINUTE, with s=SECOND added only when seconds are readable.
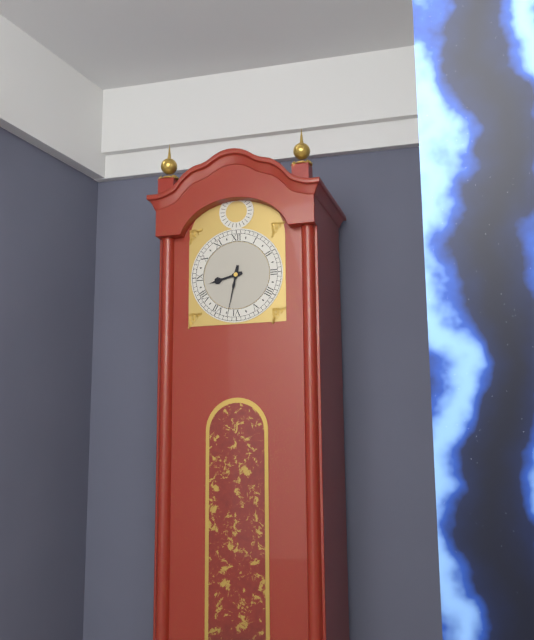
h=8 m=32
